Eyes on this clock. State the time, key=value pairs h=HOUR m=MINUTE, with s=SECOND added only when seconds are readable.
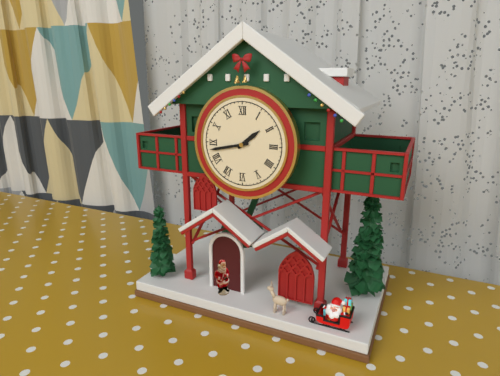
h=1 m=43
